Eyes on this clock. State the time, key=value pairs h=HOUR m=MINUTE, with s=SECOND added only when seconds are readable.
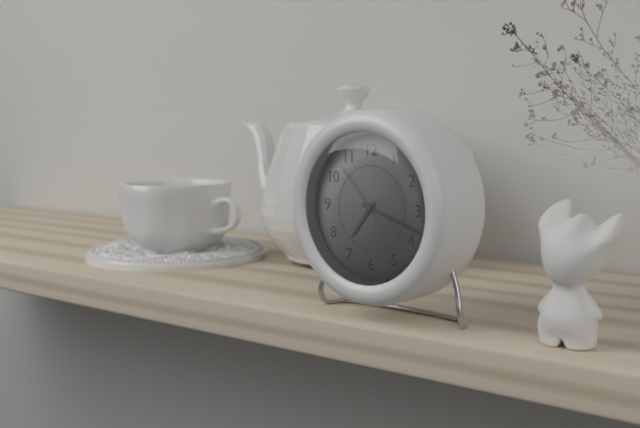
h=7 m=18 s=53
